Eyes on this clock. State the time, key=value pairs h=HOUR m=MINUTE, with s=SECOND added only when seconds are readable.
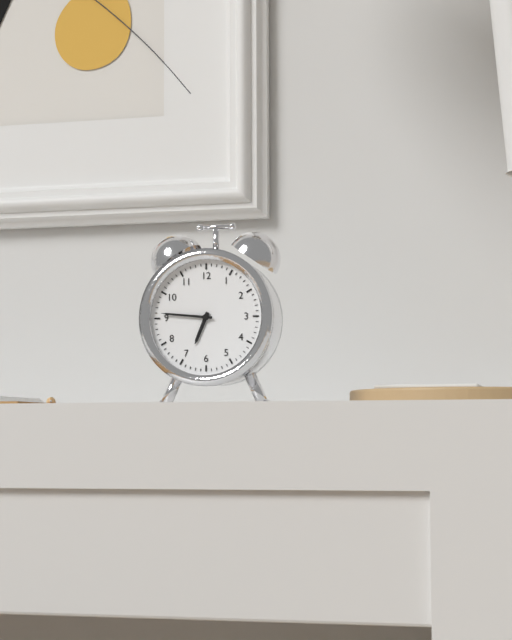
h=6 m=46
